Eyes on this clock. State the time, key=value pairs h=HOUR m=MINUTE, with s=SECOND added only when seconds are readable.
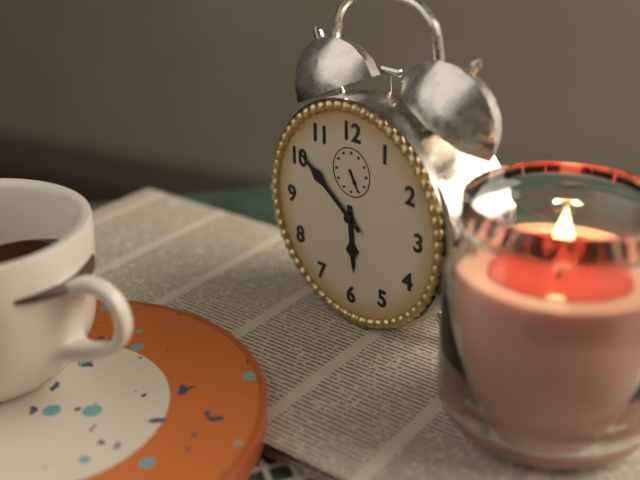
h=5 m=51
